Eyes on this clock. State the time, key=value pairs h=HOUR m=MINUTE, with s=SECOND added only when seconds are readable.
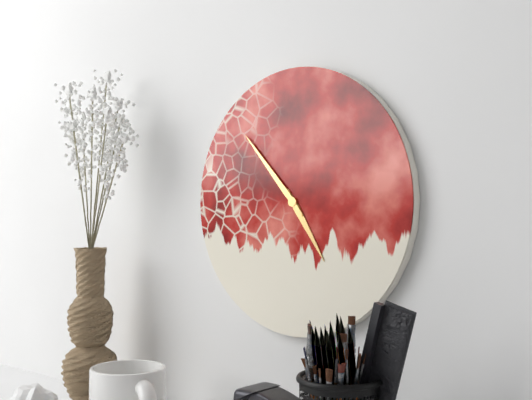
h=4 m=53
